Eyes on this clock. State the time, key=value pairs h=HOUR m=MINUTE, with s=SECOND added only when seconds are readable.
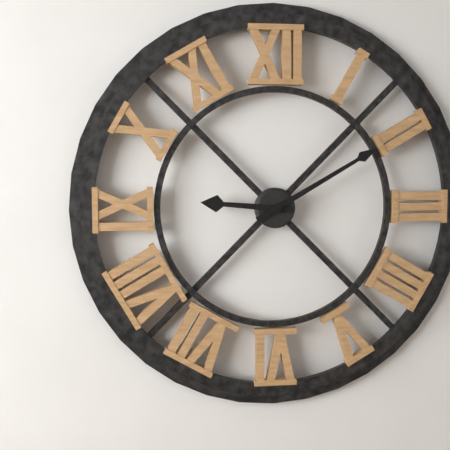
h=9 m=10
